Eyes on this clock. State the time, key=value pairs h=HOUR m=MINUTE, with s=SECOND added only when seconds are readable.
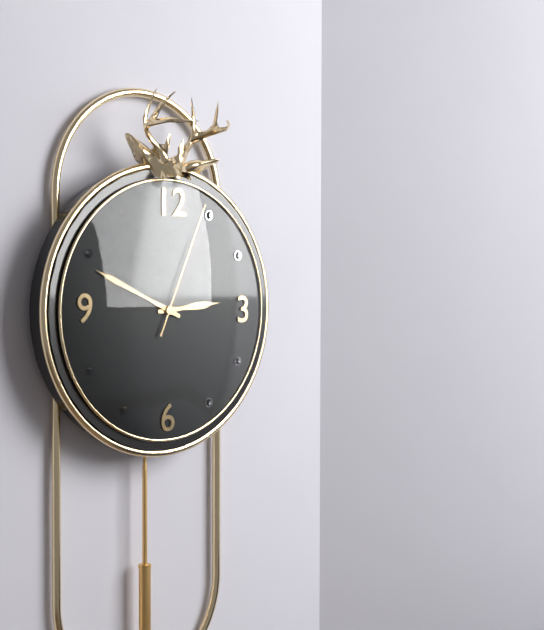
h=2 m=49 s=4
